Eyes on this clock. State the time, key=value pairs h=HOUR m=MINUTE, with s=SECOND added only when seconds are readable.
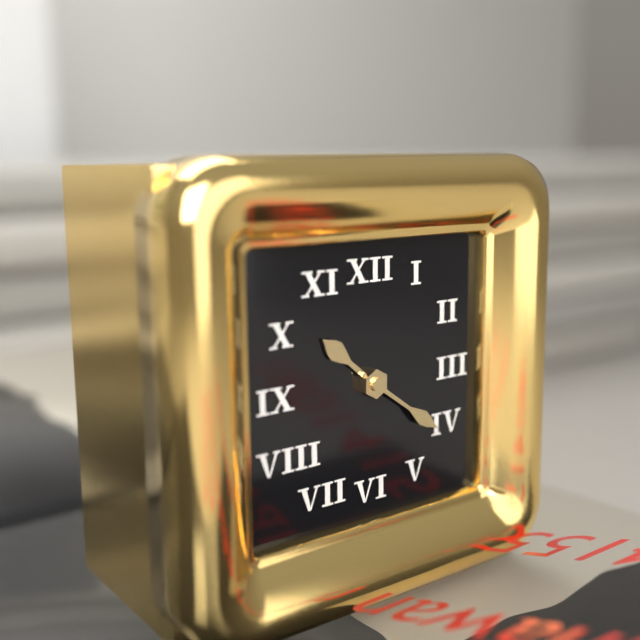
h=10 m=21
